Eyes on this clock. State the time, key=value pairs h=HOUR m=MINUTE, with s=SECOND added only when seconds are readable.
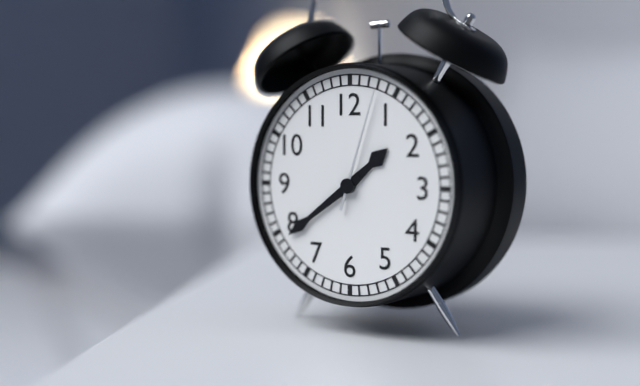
h=1 m=39 s=3
